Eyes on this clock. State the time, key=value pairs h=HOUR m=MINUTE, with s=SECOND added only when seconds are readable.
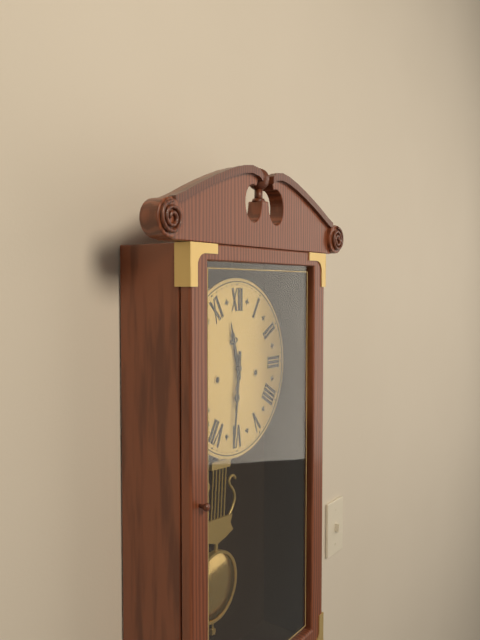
h=11 m=31
